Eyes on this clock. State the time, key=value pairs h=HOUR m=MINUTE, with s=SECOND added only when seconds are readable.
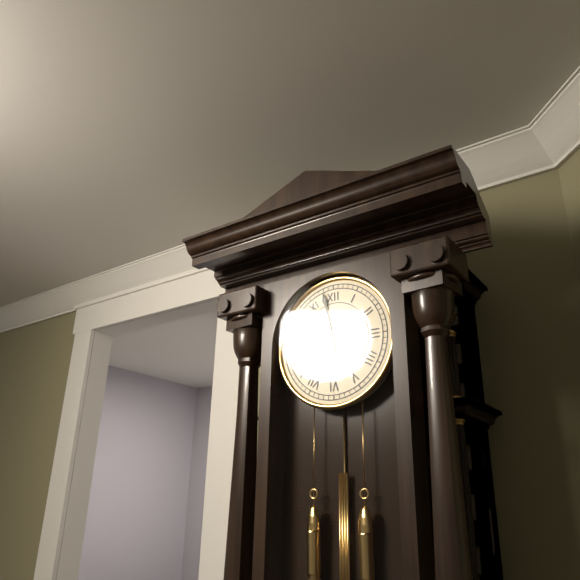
h=7 m=58
